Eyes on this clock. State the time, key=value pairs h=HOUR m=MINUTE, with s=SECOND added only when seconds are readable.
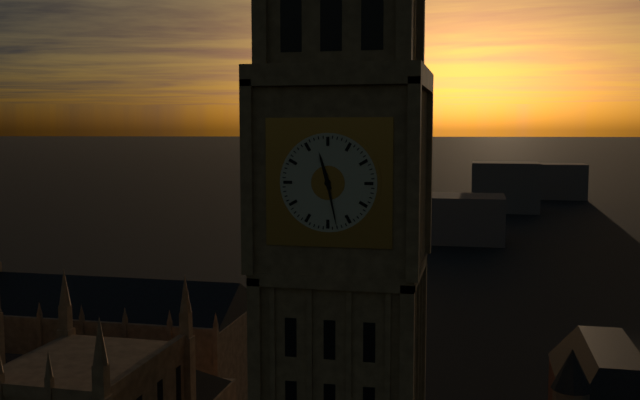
h=11 m=28
